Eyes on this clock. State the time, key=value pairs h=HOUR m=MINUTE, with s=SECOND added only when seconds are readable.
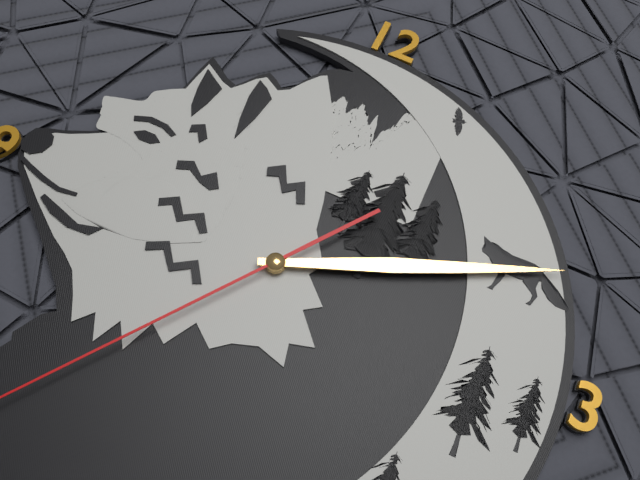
h=2 m=11
